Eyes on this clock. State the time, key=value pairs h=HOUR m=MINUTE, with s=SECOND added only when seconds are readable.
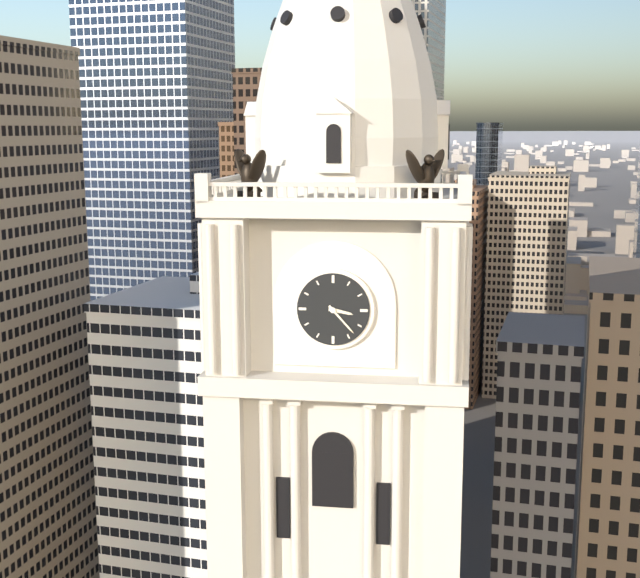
h=3 m=23
